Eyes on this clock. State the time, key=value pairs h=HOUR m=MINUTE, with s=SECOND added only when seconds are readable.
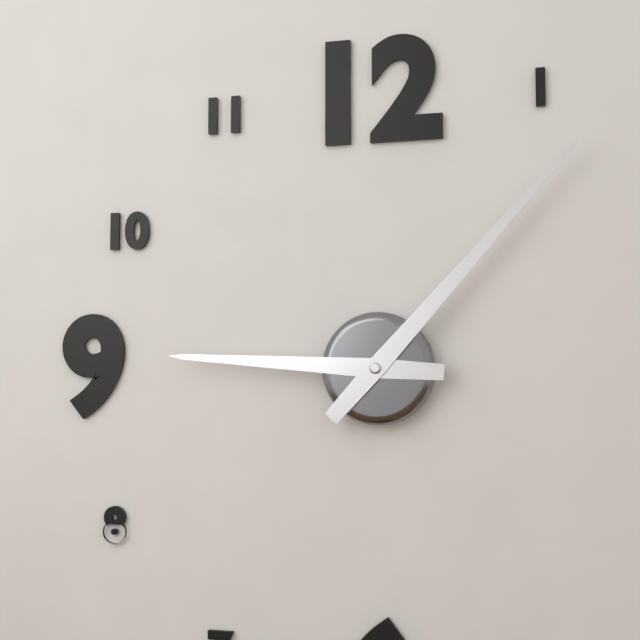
h=9 m=7
